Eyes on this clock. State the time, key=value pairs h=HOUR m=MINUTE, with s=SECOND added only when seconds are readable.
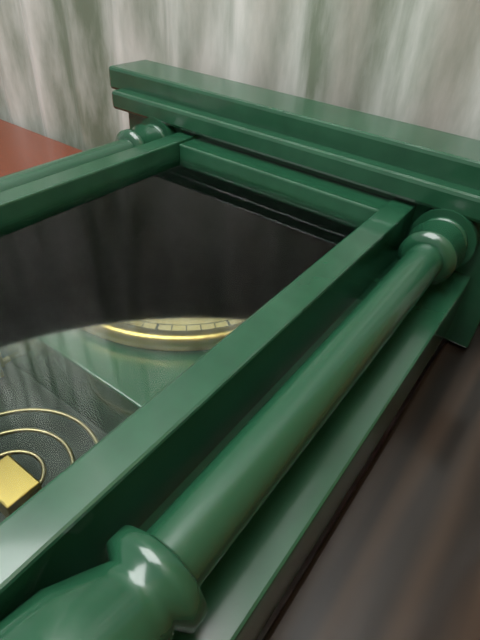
h=2 m=31
